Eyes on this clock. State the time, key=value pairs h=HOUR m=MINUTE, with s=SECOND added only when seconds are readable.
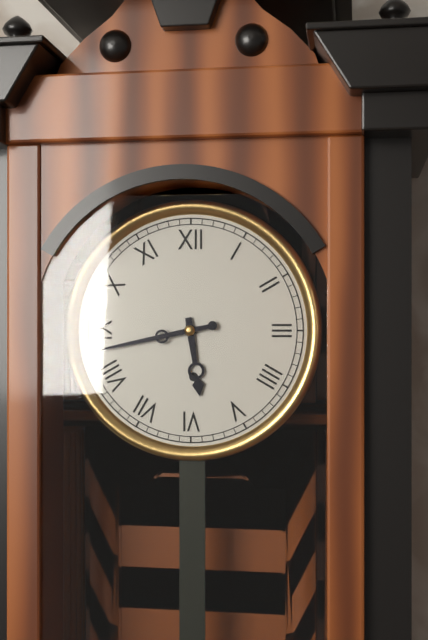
h=5 m=43
